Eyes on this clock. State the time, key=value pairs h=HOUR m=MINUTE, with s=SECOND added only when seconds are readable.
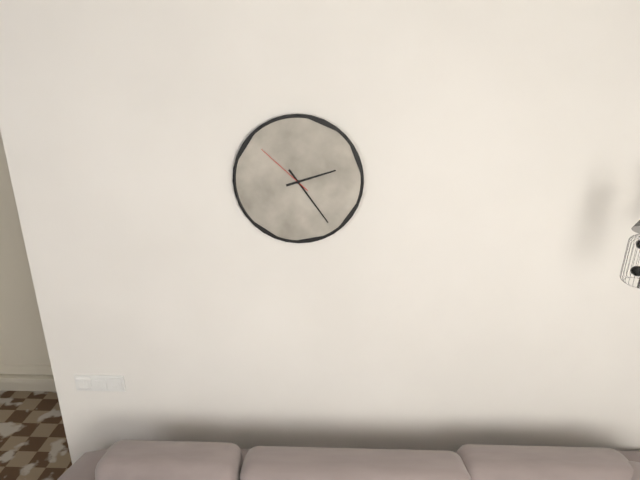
h=2 m=24 s=52
